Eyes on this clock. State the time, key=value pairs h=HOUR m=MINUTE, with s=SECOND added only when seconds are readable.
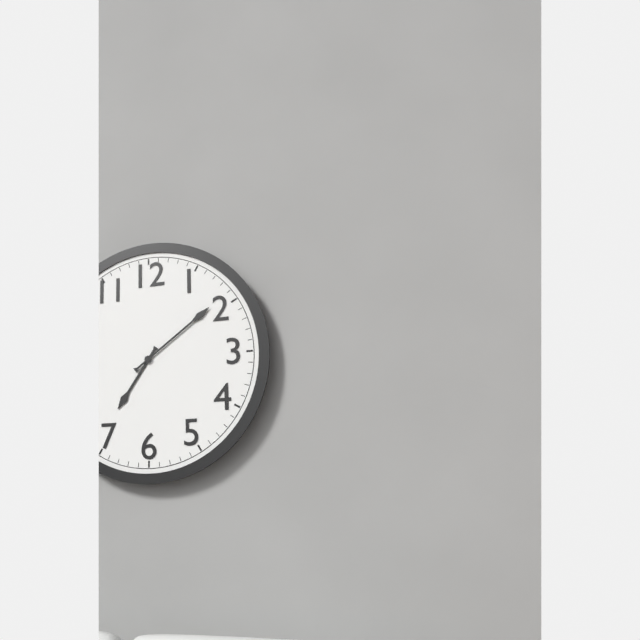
h=7 m=9
